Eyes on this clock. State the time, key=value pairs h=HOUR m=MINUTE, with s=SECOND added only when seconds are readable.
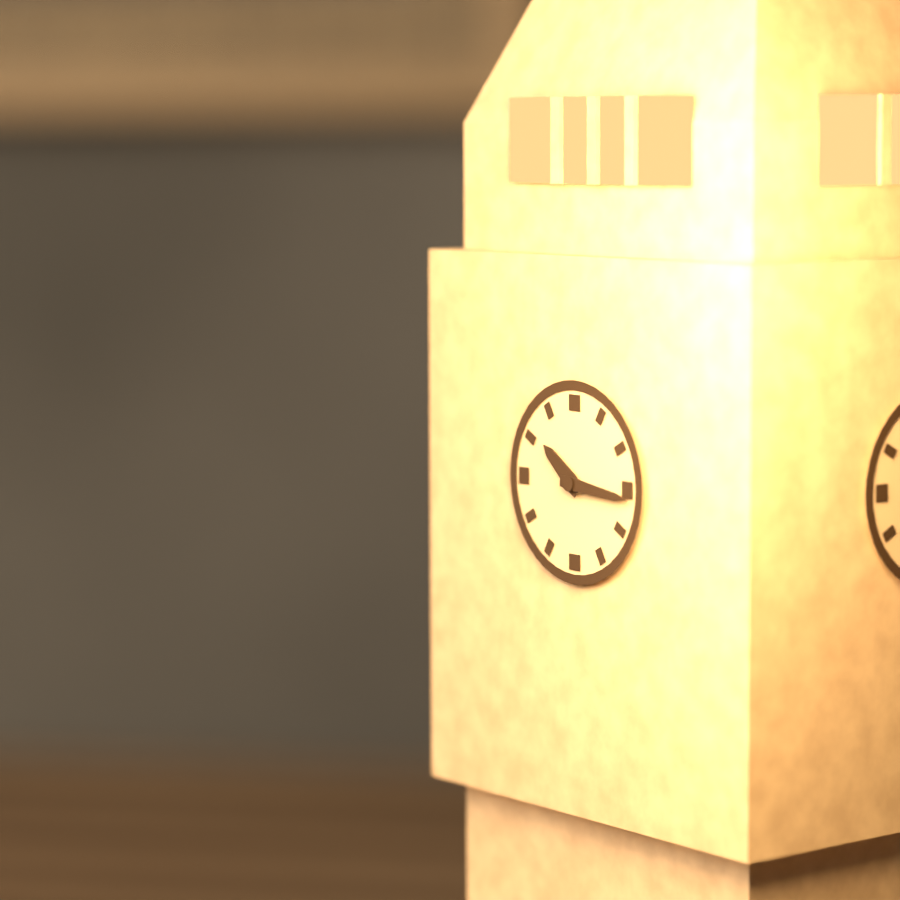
h=10 m=16
